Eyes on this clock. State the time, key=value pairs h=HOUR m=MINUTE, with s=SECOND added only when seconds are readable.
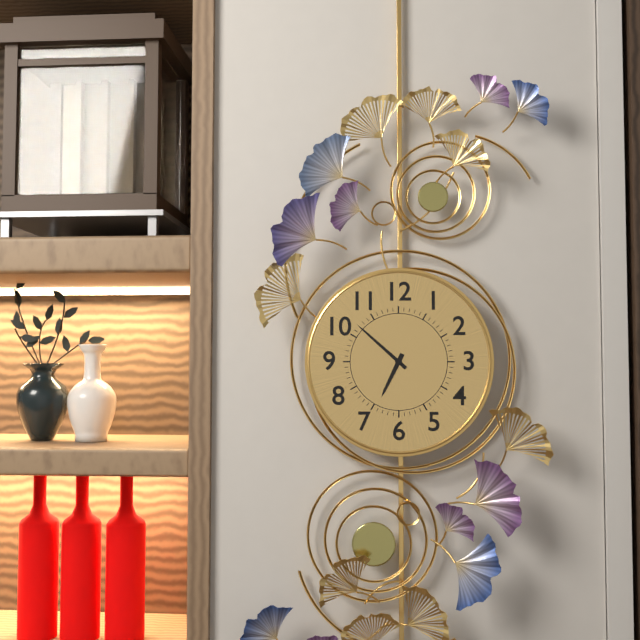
h=6 m=52
